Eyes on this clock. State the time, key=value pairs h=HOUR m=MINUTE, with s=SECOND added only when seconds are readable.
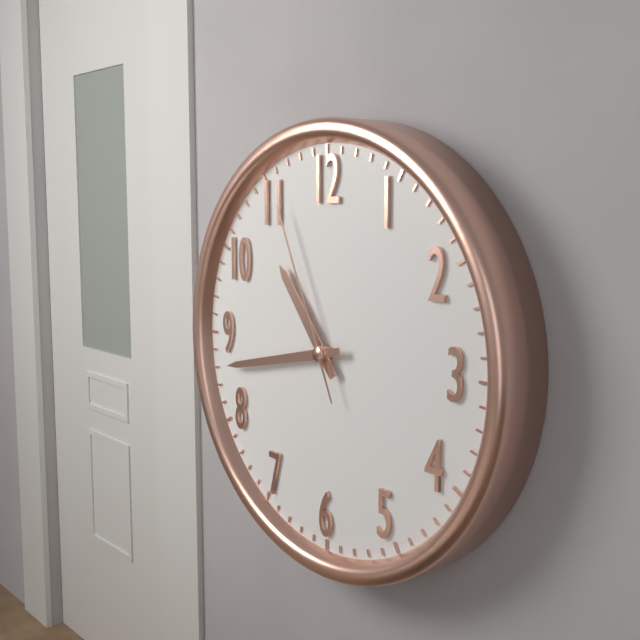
h=10 m=43 s=56
